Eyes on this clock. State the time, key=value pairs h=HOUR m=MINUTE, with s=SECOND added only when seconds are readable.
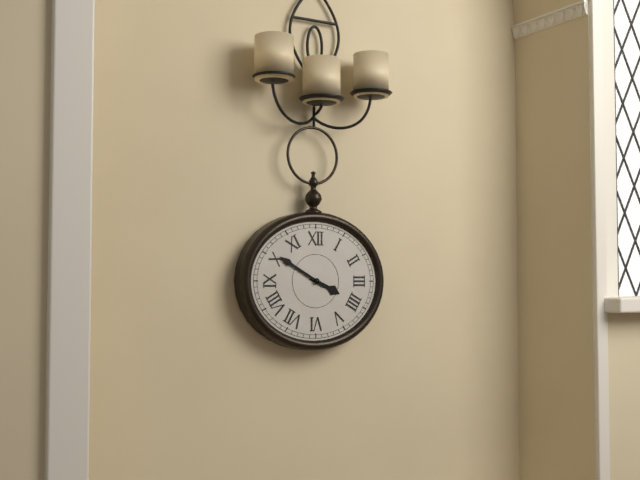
h=3 m=50
